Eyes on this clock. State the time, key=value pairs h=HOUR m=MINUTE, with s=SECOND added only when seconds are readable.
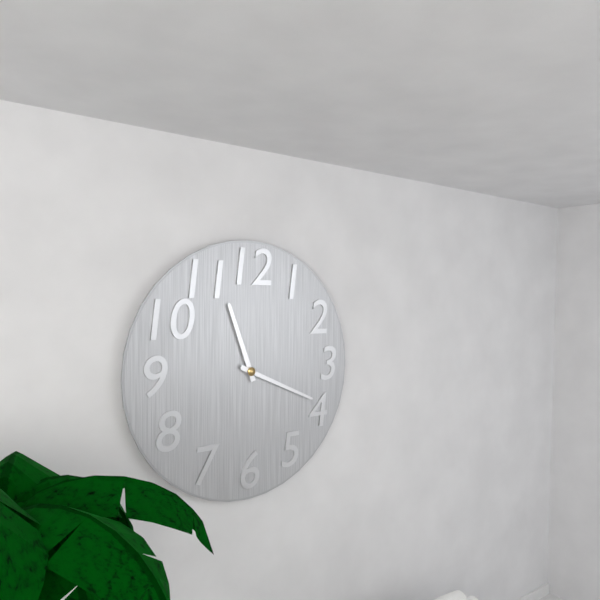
h=11 m=19
